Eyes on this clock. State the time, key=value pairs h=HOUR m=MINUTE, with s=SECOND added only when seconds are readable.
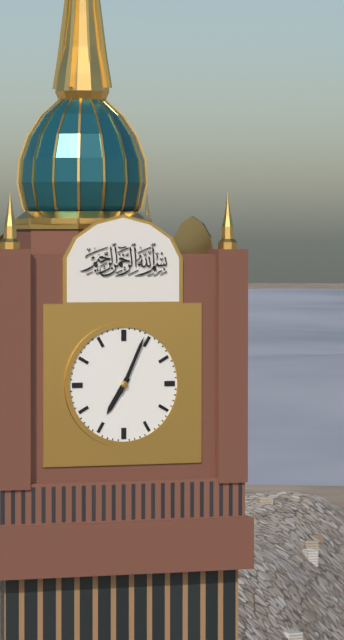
h=7 m=4
